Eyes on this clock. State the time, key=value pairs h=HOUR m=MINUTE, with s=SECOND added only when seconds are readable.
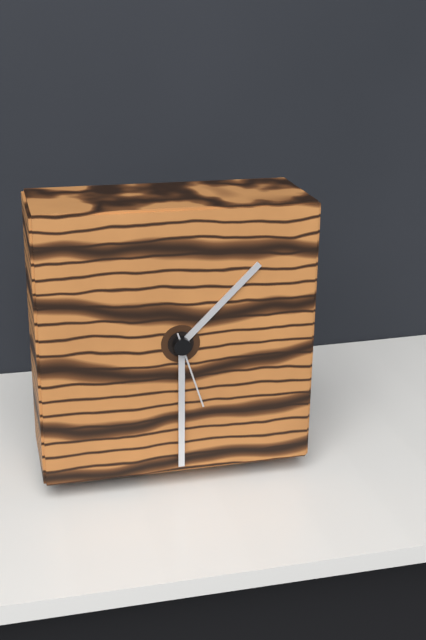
h=1 m=30 s=27
